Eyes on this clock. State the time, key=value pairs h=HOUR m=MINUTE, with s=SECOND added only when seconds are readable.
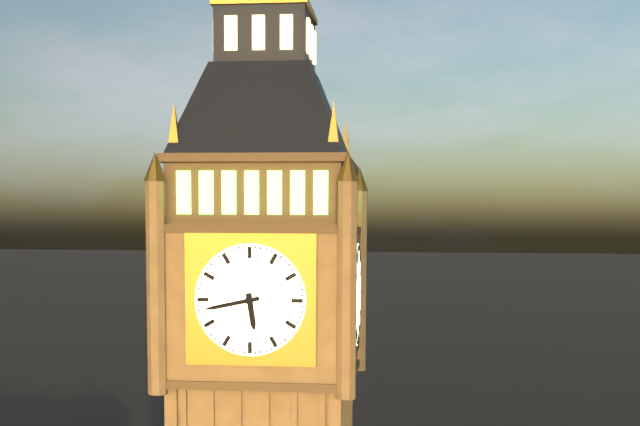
h=5 m=43
